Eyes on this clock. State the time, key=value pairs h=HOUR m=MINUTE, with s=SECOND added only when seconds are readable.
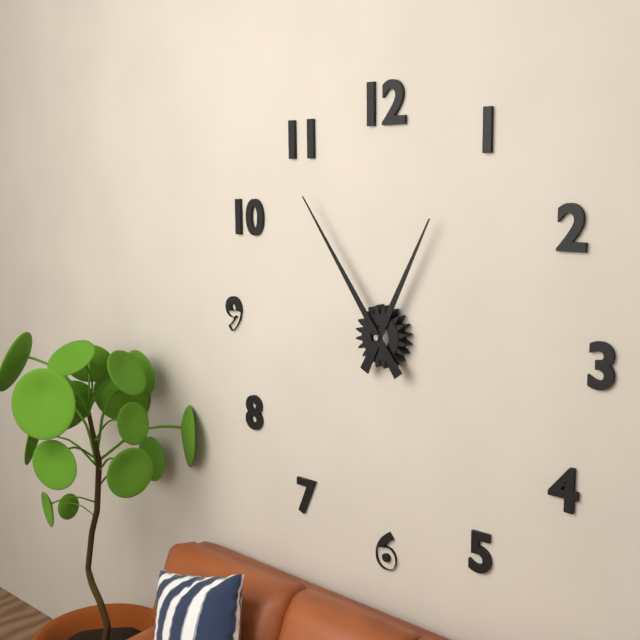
h=12 m=54
